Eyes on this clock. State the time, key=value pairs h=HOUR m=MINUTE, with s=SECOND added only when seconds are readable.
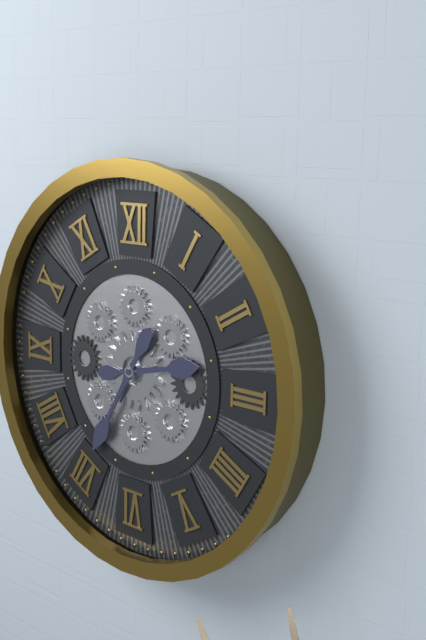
h=2 m=35
